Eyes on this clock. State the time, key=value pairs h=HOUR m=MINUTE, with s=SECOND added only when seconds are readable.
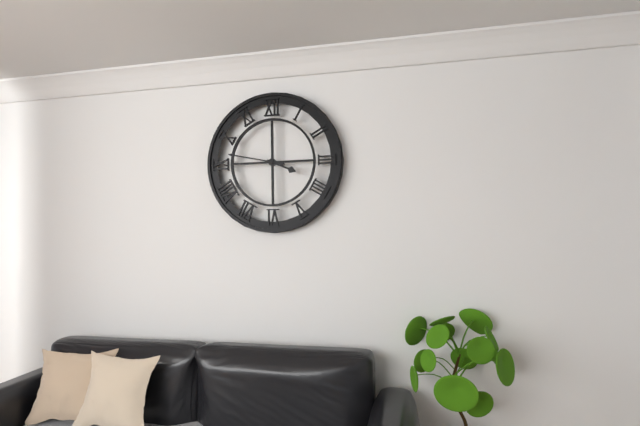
h=3 m=47
